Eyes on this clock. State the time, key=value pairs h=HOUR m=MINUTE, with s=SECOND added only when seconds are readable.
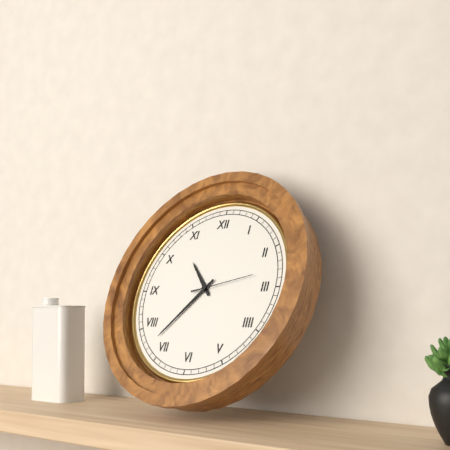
h=10 m=37 s=13
